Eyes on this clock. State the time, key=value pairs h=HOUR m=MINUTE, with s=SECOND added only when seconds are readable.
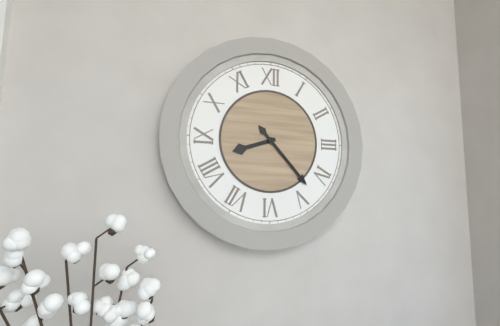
h=8 m=23
